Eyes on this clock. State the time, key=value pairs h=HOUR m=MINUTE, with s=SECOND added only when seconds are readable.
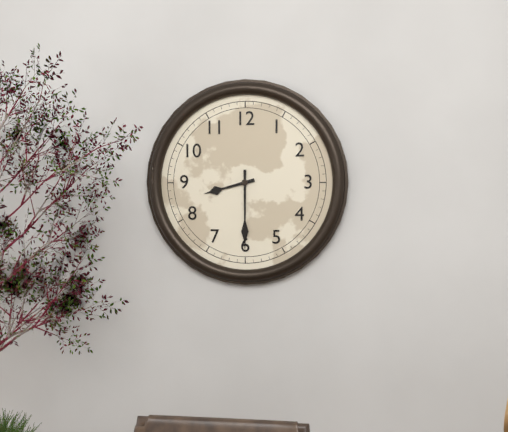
h=8 m=30
